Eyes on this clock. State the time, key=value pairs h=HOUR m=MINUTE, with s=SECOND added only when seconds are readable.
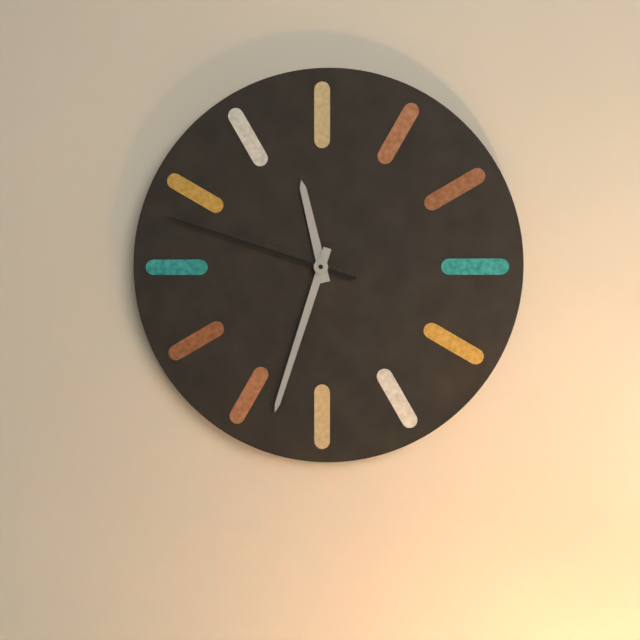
h=11 m=33 s=48
